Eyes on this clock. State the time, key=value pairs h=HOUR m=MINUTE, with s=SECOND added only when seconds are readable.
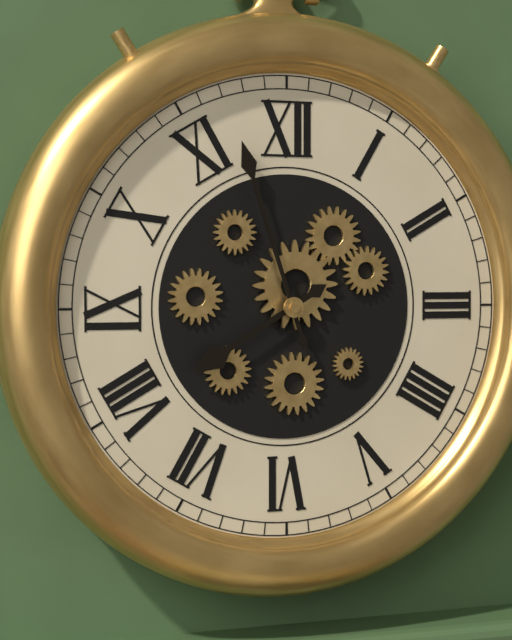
h=7 m=57
